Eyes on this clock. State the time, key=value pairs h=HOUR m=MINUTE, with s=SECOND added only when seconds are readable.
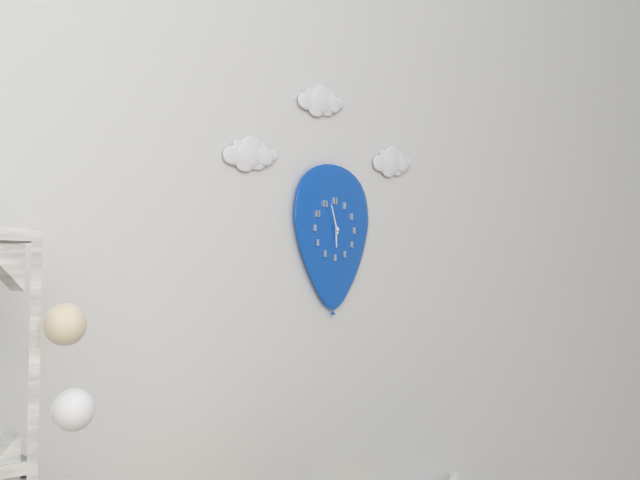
h=5 m=57
